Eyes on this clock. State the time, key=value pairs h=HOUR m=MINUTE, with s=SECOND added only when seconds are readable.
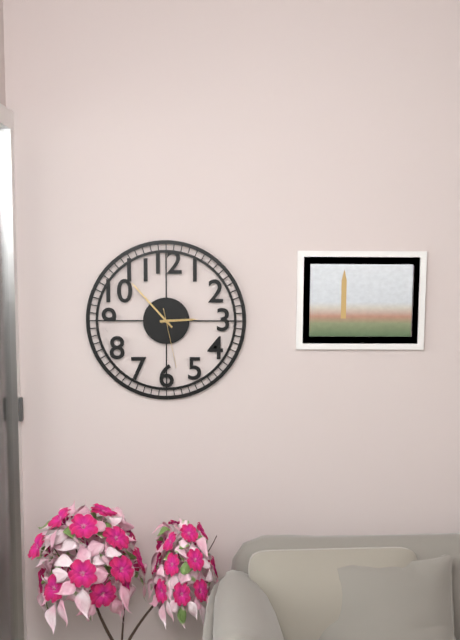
h=2 m=53 s=28
